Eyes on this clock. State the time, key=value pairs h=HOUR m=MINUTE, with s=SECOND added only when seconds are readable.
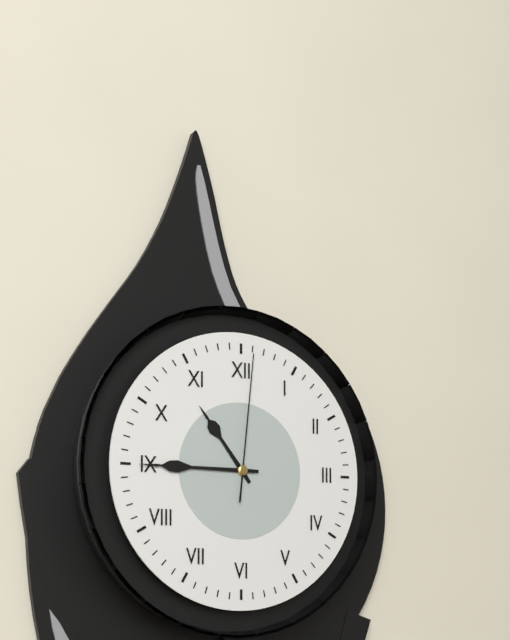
h=10 m=45 s=1
